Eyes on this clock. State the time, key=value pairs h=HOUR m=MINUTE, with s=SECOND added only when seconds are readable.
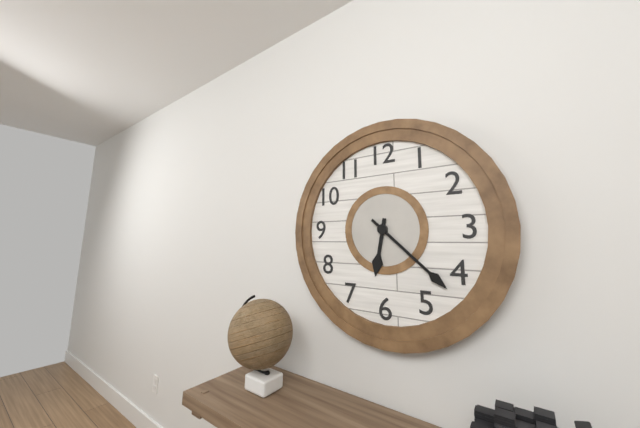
h=6 m=22
